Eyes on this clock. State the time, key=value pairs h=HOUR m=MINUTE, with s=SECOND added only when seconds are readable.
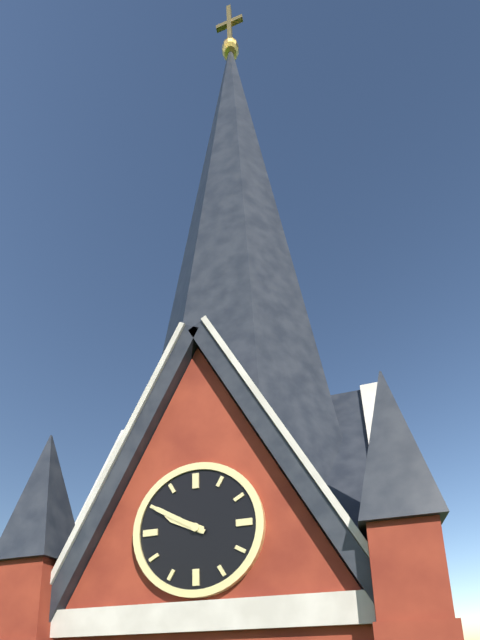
h=9 m=50
